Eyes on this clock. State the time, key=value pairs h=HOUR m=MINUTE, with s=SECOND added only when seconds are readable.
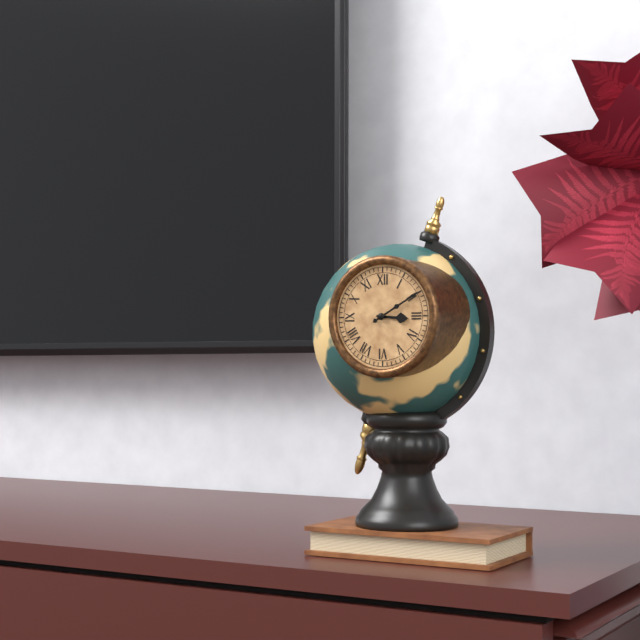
h=3 m=10
